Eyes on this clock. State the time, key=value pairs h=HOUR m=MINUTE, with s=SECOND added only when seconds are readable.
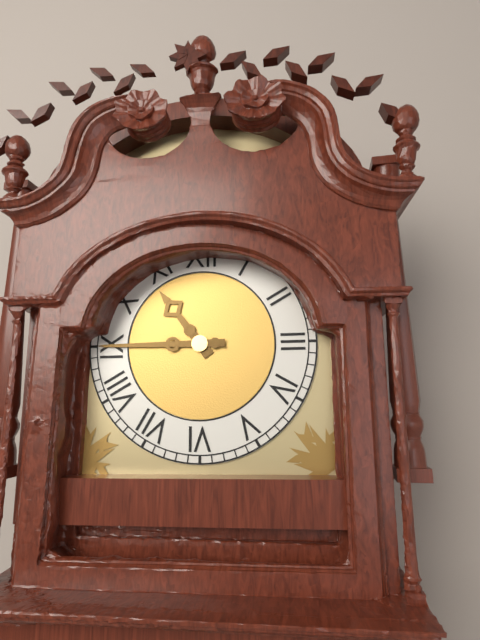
h=10 m=45
